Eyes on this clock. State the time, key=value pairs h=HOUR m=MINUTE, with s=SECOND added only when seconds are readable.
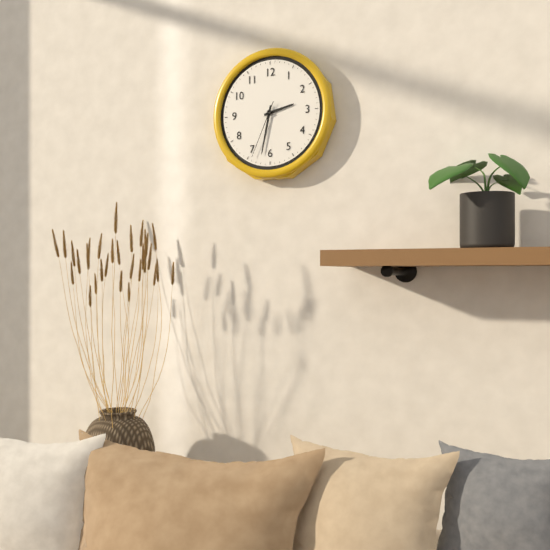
h=2 m=32 s=34
